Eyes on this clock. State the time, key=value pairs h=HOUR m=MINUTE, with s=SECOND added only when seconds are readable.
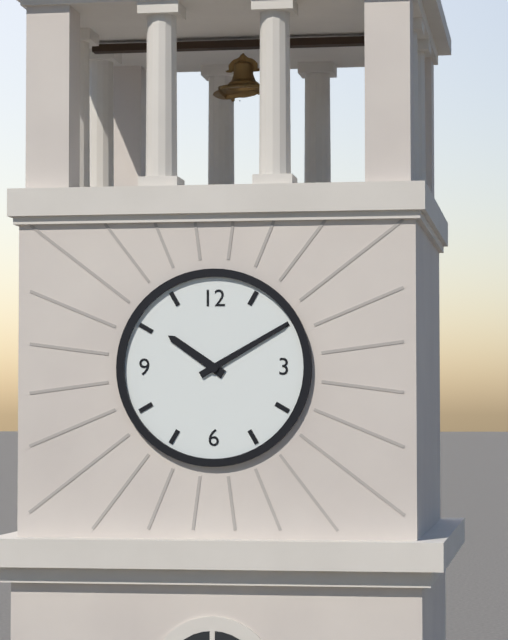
h=10 m=10
